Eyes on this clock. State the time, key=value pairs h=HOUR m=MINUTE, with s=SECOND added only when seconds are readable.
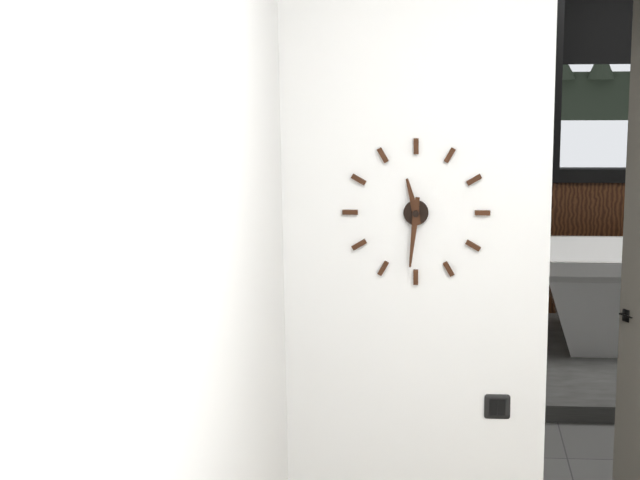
h=11 m=31
